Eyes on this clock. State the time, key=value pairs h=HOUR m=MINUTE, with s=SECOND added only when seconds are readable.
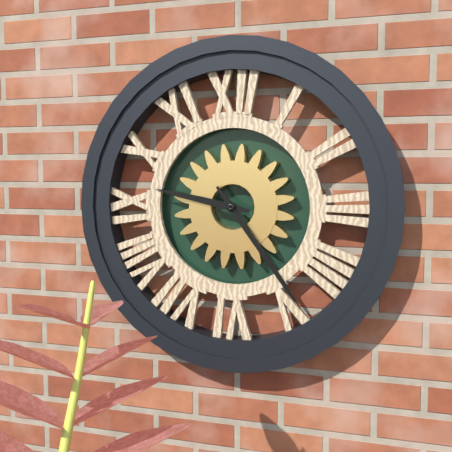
h=9 m=24
